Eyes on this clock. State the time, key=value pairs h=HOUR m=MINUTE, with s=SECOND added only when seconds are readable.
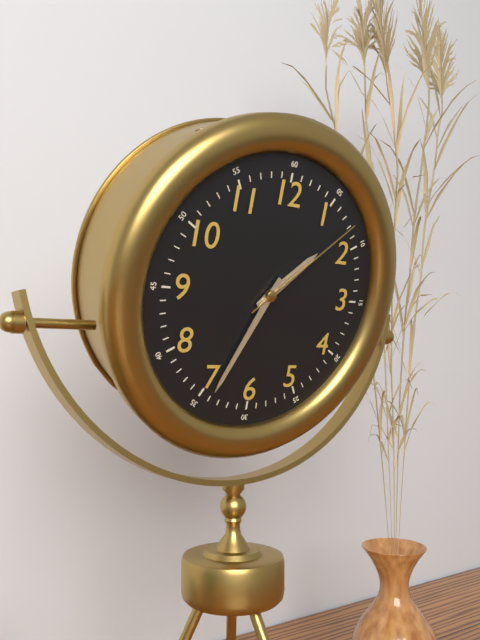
h=1 m=34 s=8
